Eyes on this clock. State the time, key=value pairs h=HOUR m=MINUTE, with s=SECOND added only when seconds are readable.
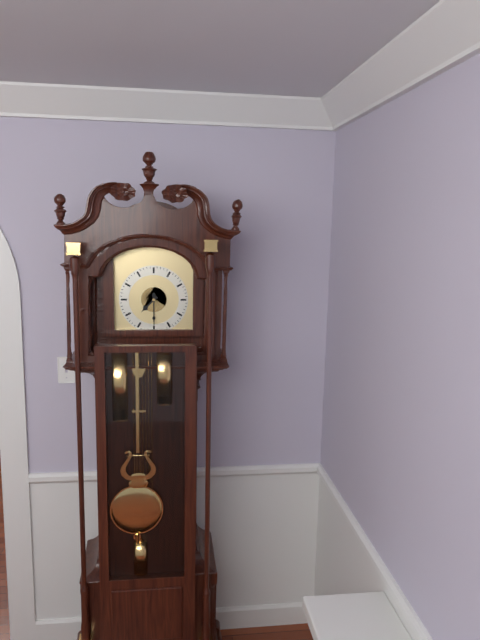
h=7 m=30
